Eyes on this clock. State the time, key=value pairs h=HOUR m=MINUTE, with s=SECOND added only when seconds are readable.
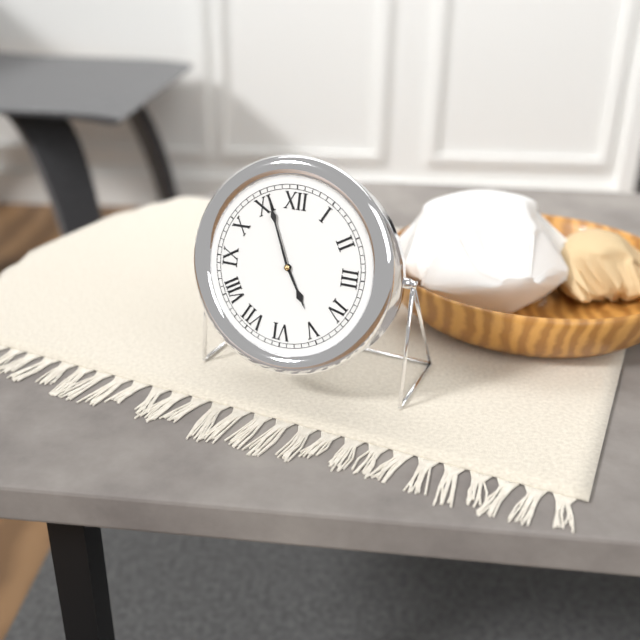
h=4 m=56
